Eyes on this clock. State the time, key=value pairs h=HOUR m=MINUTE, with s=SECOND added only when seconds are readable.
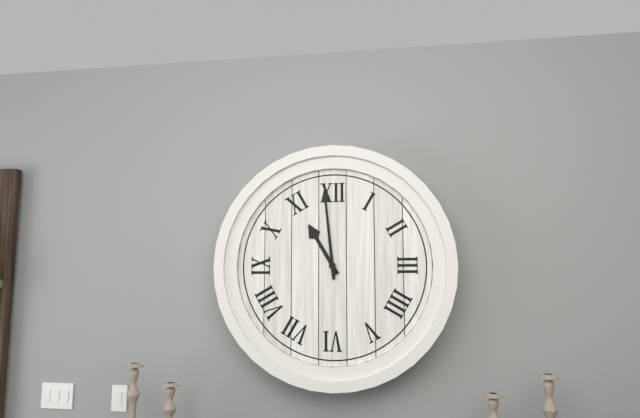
h=10 m=59
